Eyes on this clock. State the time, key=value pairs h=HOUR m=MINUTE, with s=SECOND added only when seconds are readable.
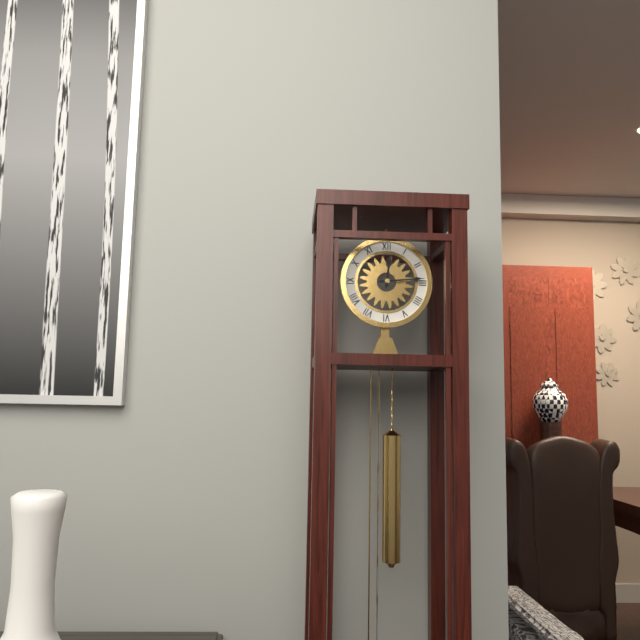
h=12 m=14
